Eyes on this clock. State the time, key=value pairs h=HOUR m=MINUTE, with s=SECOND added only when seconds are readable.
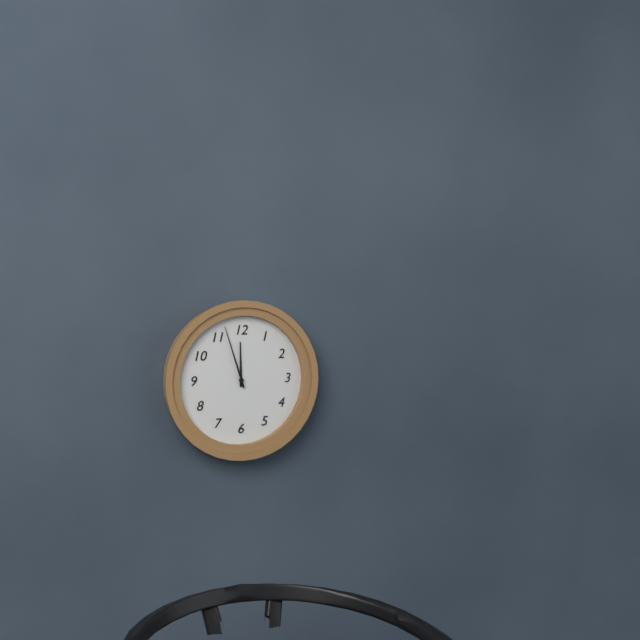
h=11 m=57
